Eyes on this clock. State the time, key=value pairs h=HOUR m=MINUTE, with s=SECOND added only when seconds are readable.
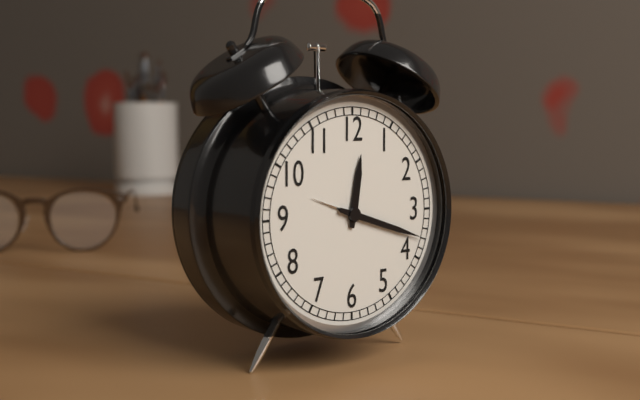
h=12 m=18
